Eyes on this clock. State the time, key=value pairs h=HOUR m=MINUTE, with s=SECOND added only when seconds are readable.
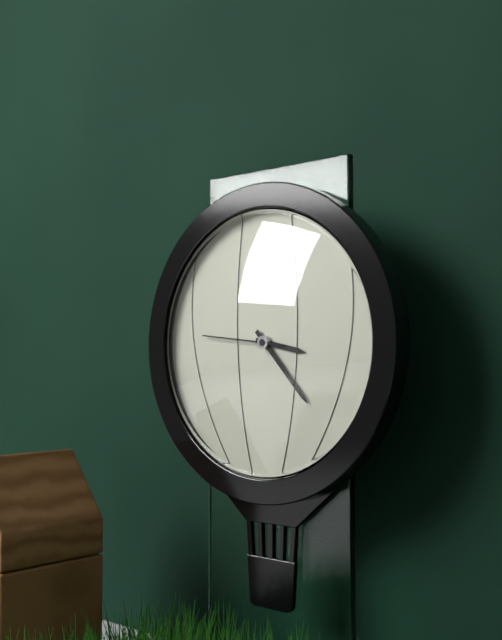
h=3 m=23 s=46
